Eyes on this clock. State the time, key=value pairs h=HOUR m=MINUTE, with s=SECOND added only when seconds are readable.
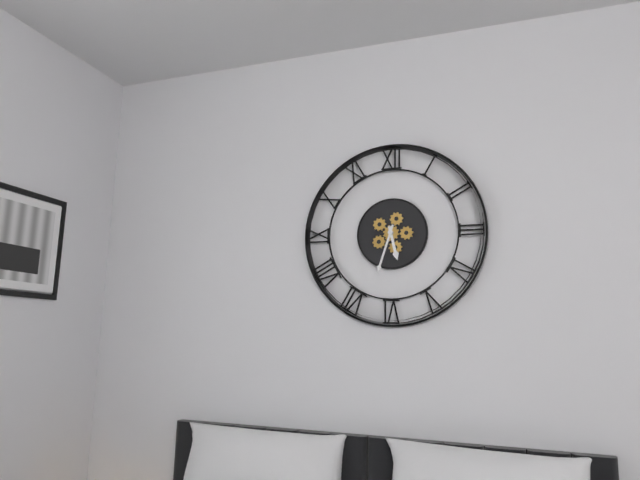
h=5 m=33
